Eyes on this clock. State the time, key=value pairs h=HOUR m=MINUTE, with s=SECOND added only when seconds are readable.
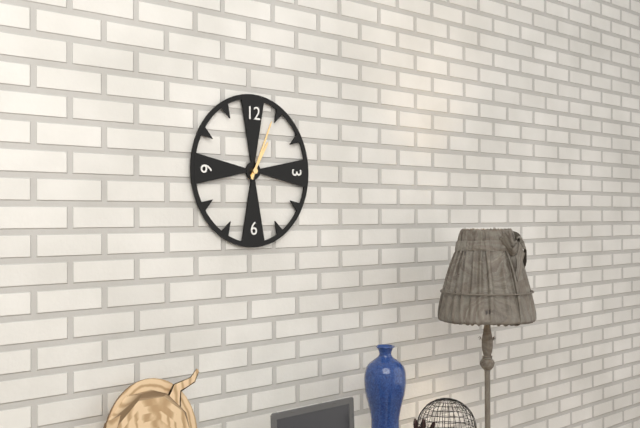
h=1 m=4
